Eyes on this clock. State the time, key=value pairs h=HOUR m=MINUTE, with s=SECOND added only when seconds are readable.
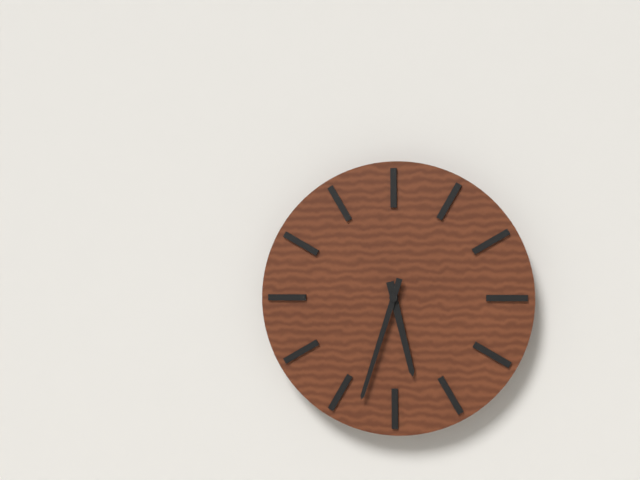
h=5 m=33
